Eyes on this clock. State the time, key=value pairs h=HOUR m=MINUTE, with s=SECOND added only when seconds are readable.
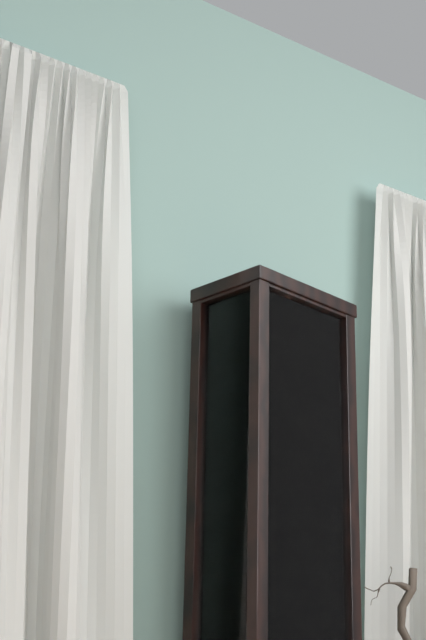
h=12 m=32
